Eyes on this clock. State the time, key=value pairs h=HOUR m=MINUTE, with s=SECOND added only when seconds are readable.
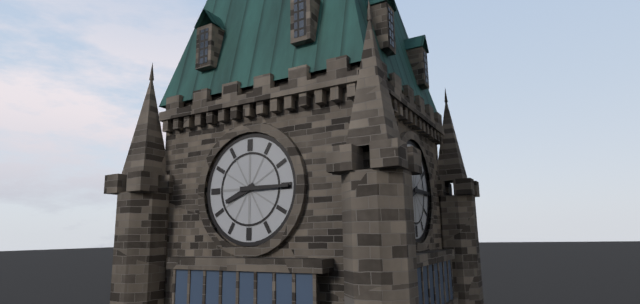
h=8 m=15
